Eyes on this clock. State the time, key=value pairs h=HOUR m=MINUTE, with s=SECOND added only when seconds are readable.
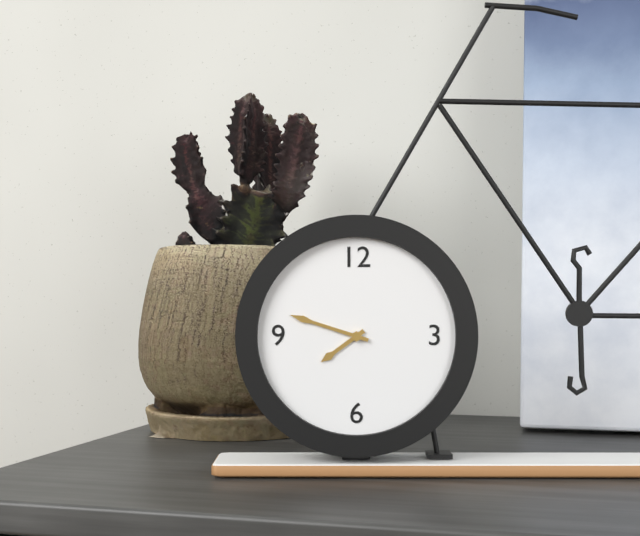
h=7 m=48
